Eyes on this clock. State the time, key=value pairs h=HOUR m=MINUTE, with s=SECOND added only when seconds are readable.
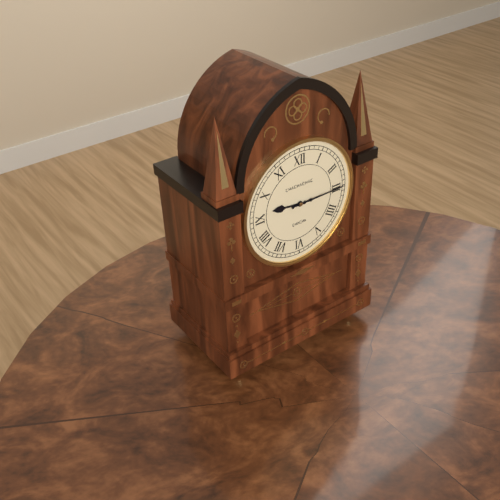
h=9 m=15
